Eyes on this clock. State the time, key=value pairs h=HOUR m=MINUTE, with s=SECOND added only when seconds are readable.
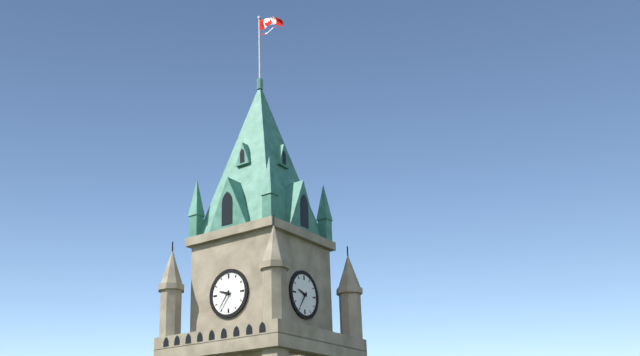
h=9 m=36
